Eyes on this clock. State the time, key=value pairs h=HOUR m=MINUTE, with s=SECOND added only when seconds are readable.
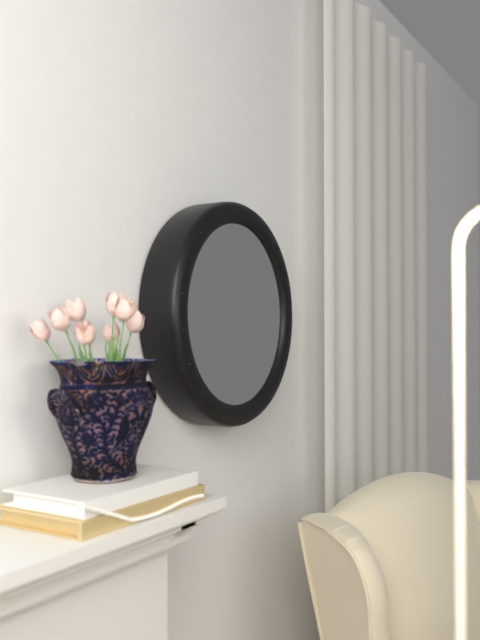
h=2 m=6
